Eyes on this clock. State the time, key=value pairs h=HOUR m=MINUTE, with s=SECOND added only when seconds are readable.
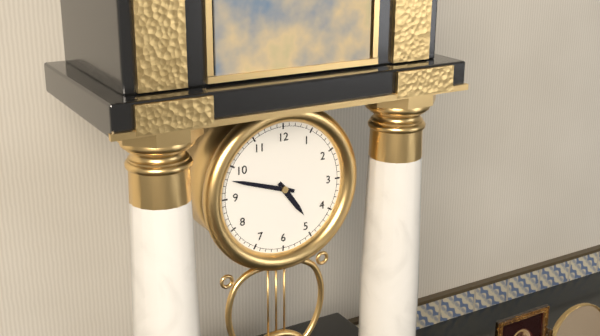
h=4 m=48
